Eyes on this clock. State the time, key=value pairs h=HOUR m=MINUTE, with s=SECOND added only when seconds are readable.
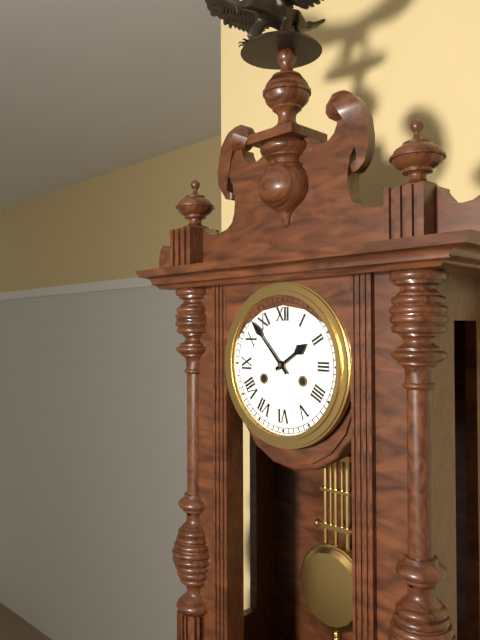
h=1 m=53
